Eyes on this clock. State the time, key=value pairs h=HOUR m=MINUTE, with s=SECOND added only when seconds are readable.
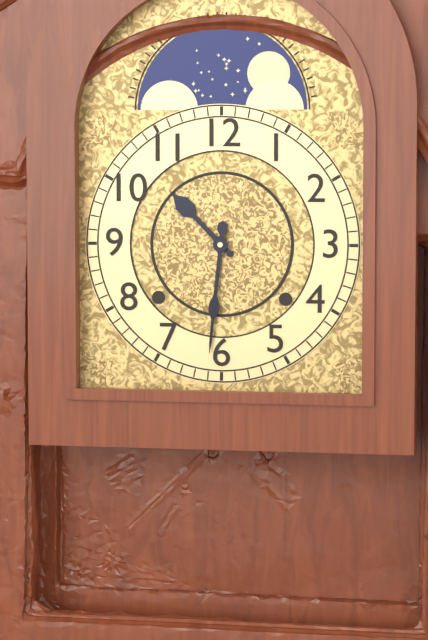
h=10 m=31
